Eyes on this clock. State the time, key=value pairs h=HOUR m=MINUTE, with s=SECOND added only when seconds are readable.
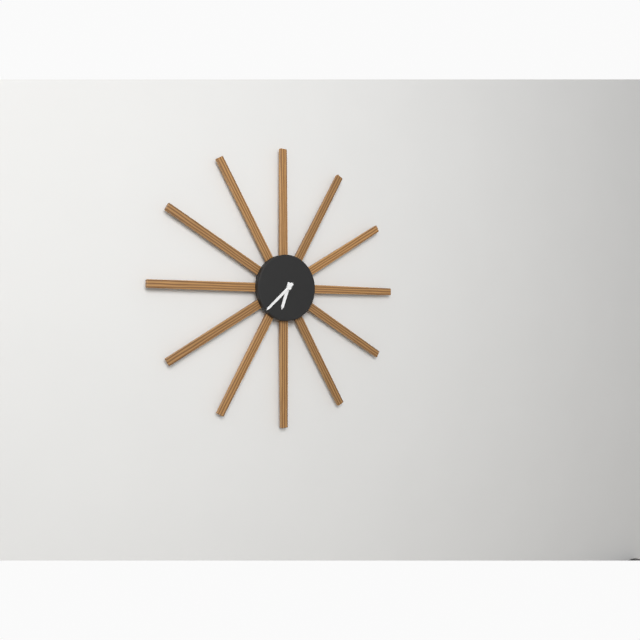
h=6 m=38
